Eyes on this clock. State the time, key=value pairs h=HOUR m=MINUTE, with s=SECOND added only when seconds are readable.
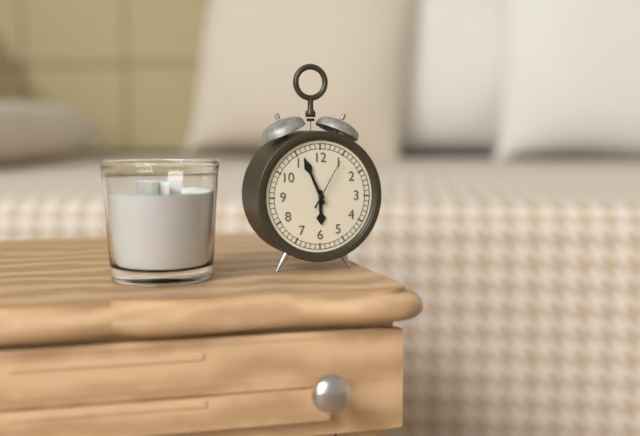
h=5 m=56 s=5
